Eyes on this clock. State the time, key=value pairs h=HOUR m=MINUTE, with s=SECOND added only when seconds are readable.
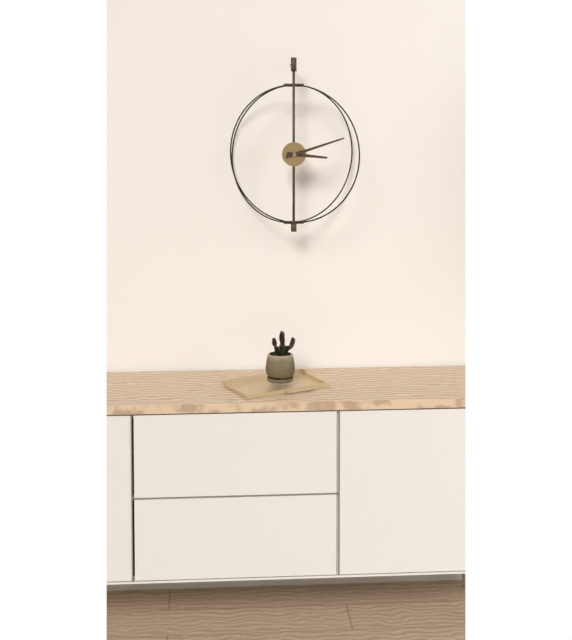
h=3 m=12
